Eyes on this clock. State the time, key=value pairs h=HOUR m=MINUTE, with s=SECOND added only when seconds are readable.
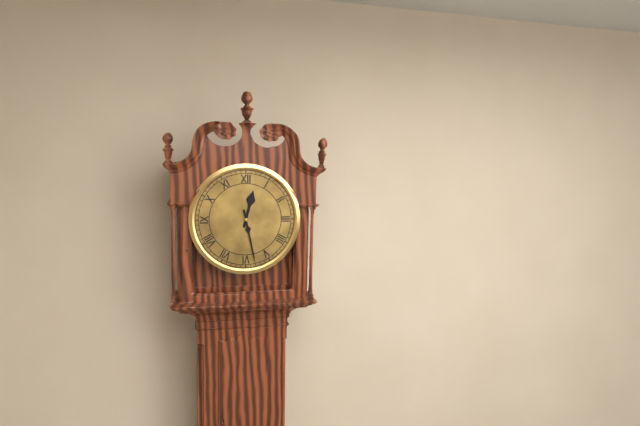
h=12 m=28
